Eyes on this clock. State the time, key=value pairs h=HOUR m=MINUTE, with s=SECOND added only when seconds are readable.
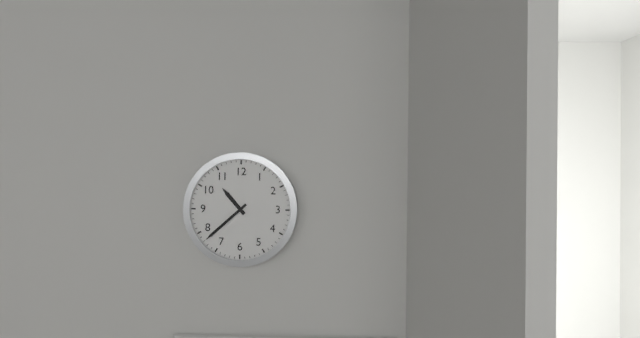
h=10 m=38
